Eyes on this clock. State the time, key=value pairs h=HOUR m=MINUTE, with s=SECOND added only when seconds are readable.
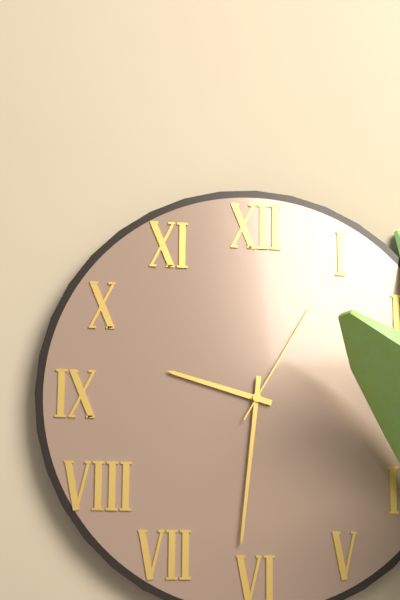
h=9 m=31 s=5
